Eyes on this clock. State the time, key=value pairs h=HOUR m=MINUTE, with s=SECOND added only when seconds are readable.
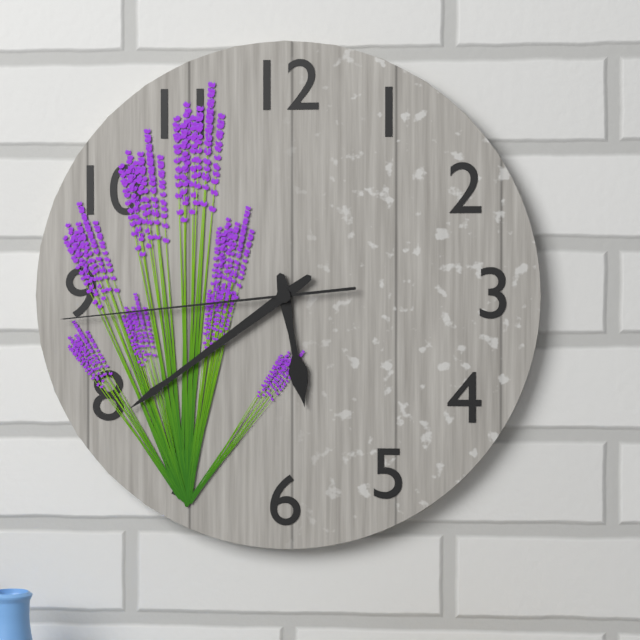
h=5 m=39 s=44
